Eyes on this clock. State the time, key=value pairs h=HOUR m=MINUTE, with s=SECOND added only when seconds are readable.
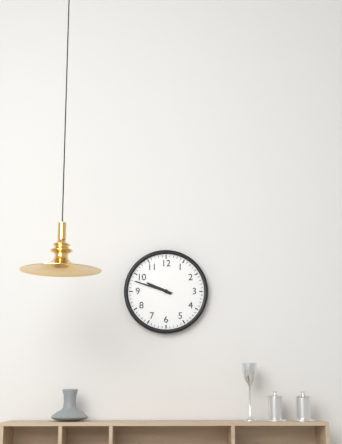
h=9 m=48
